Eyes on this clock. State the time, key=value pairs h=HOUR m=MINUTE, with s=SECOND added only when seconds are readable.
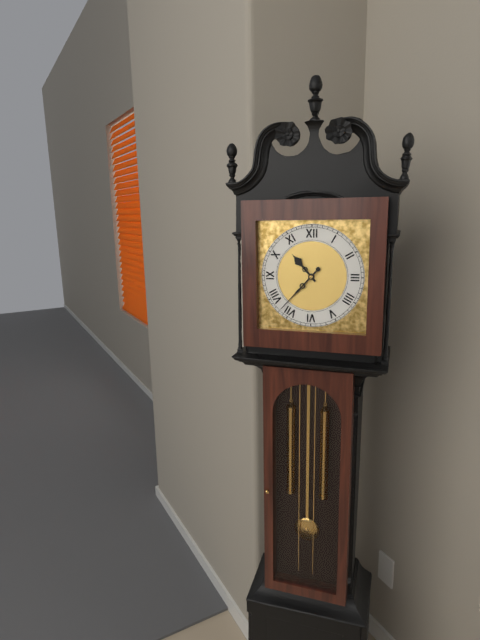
h=10 m=37
